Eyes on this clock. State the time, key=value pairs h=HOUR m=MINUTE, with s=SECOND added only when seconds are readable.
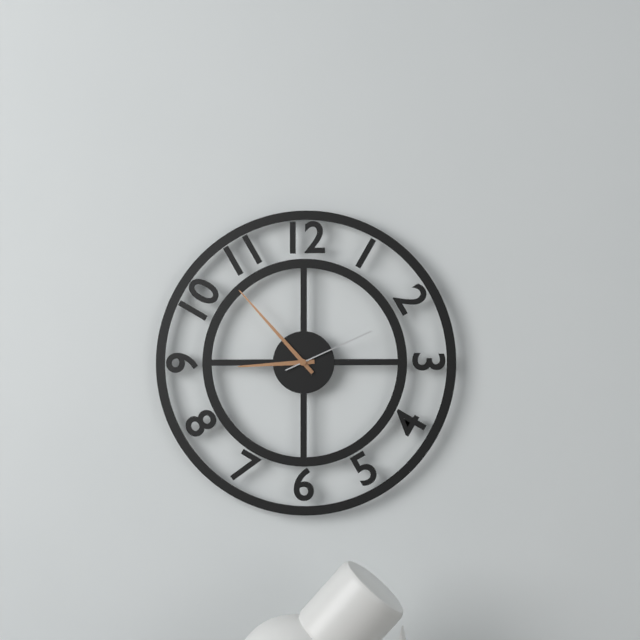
h=8 m=53 s=11
